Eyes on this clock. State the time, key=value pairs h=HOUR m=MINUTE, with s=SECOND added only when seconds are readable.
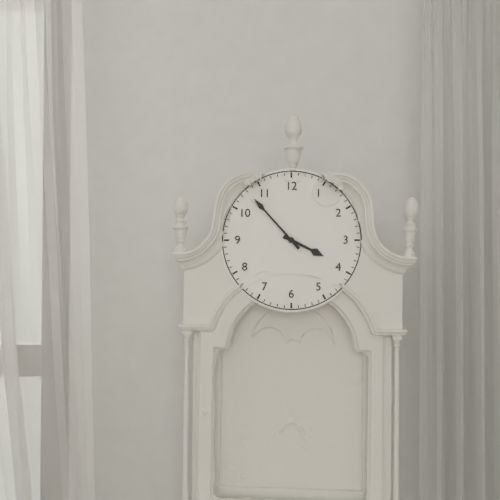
h=3 m=53
